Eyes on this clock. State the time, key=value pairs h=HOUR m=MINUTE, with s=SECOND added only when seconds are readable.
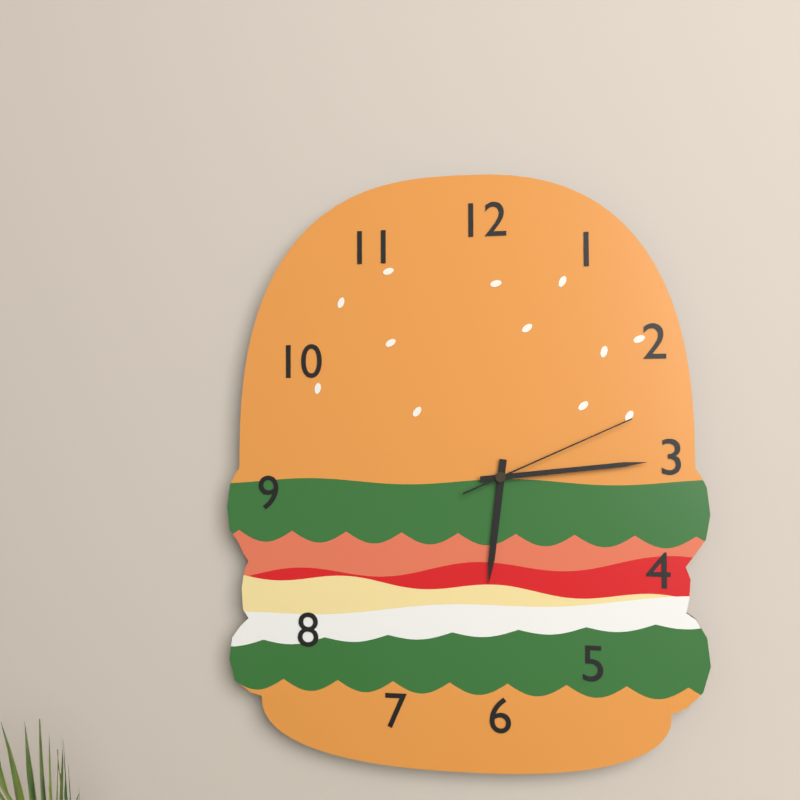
h=6 m=14 s=11
